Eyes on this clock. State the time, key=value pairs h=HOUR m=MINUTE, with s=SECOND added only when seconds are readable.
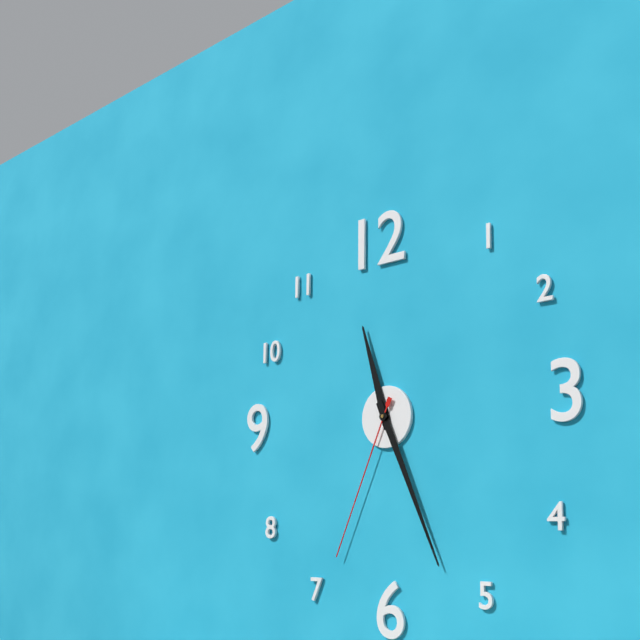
h=11 m=26 s=34
